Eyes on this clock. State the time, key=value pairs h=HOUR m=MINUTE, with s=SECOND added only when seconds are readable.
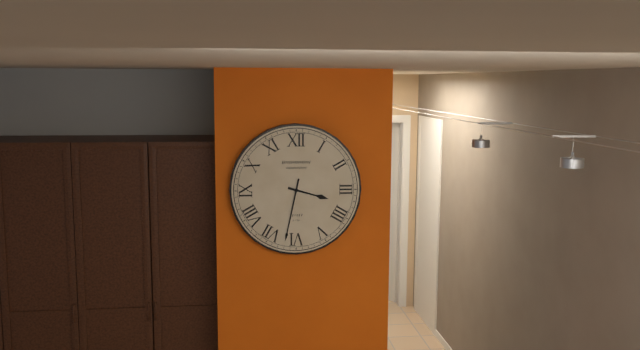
h=3 m=32
